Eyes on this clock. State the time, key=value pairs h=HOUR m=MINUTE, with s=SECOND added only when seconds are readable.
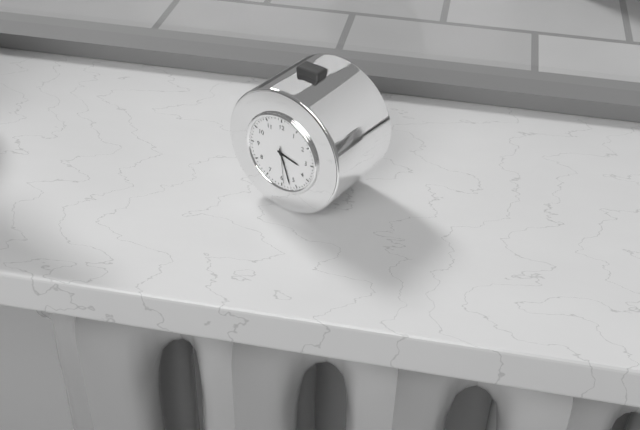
h=3 m=27
